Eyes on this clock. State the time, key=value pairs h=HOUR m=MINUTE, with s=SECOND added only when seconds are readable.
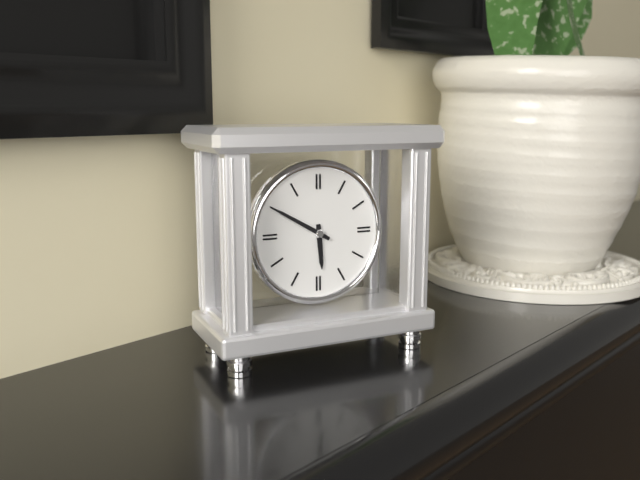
h=5 m=50
